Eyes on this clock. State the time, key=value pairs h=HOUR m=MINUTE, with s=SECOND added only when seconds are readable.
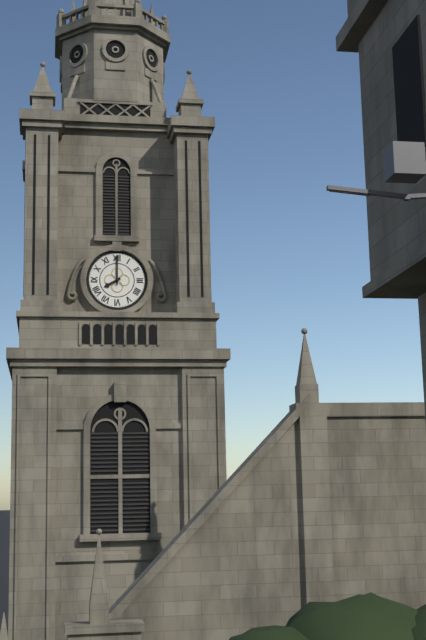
h=8 m=0
